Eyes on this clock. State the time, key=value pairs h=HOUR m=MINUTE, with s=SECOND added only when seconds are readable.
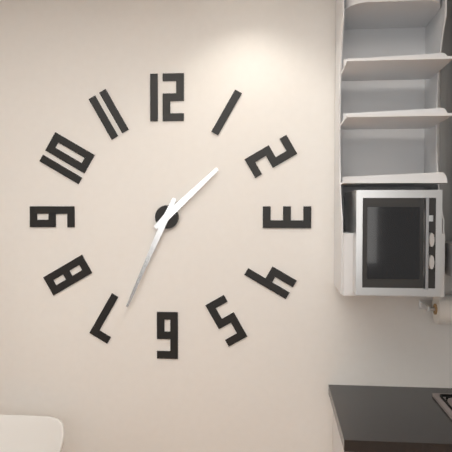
h=1 m=34
